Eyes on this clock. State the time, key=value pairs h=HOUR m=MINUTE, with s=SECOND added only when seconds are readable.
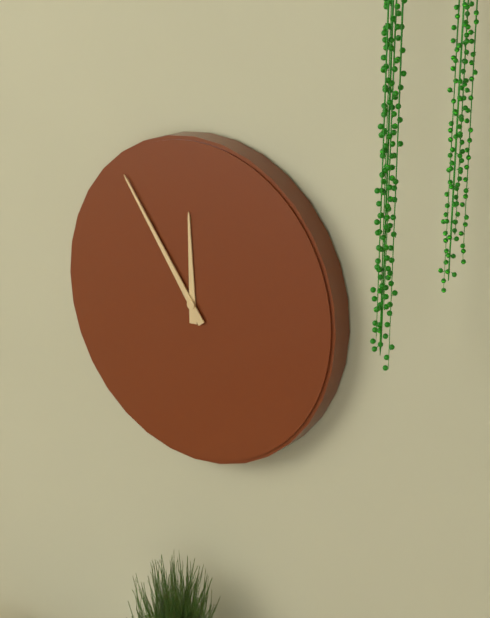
h=11 m=54
